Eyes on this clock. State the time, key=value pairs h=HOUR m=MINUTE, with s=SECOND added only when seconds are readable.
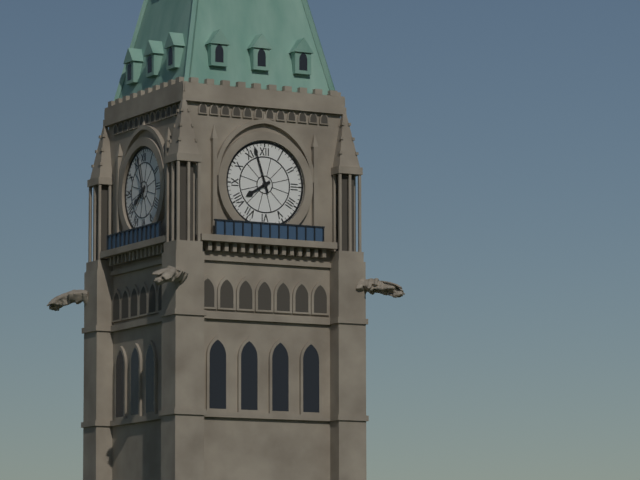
h=7 m=57
